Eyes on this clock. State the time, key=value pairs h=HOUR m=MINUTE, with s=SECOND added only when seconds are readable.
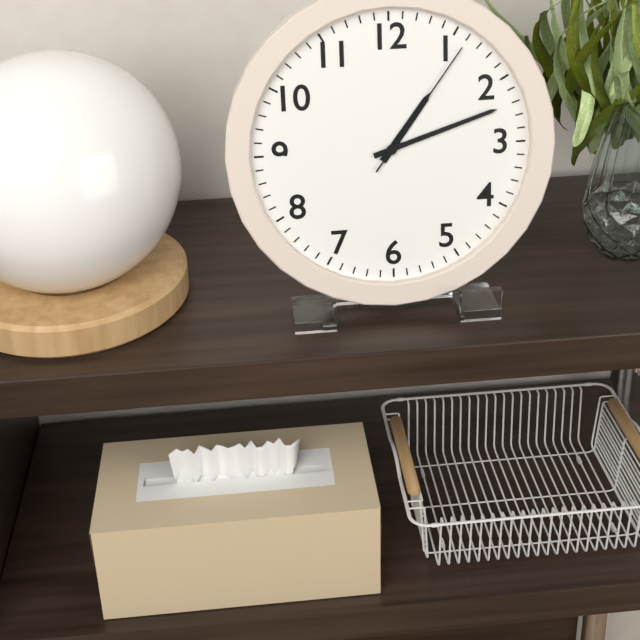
h=1 m=12 s=6
